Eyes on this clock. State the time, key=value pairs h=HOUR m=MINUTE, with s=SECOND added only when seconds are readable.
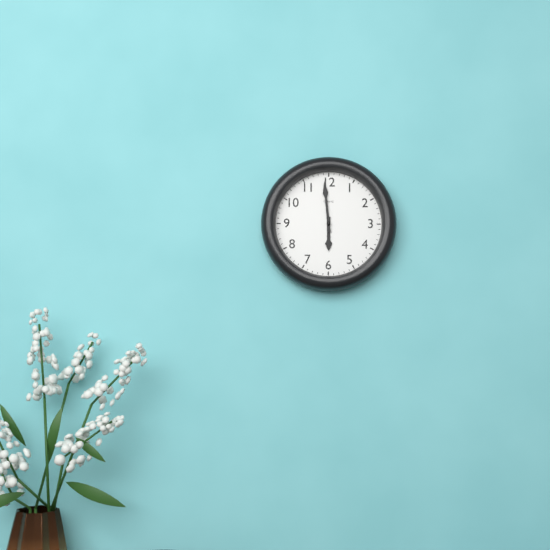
h=5 m=59
